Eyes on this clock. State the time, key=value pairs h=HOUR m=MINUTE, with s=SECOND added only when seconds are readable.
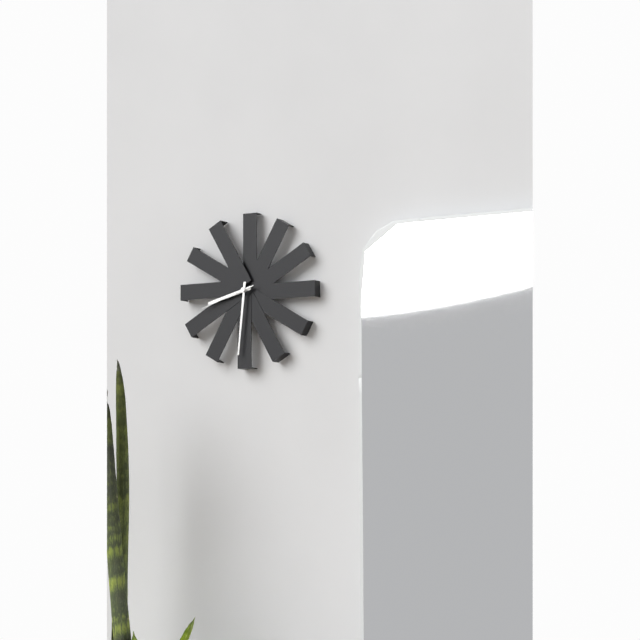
h=8 m=31 s=42
